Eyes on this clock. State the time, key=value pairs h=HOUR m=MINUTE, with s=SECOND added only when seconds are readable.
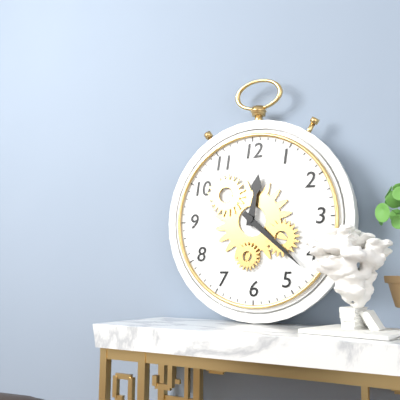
h=12 m=22
